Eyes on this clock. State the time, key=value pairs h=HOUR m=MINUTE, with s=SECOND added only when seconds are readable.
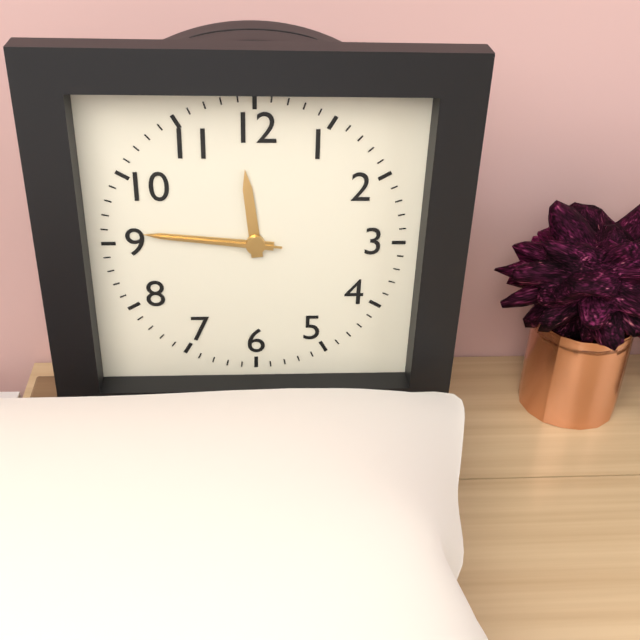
h=11 m=46 s=46
